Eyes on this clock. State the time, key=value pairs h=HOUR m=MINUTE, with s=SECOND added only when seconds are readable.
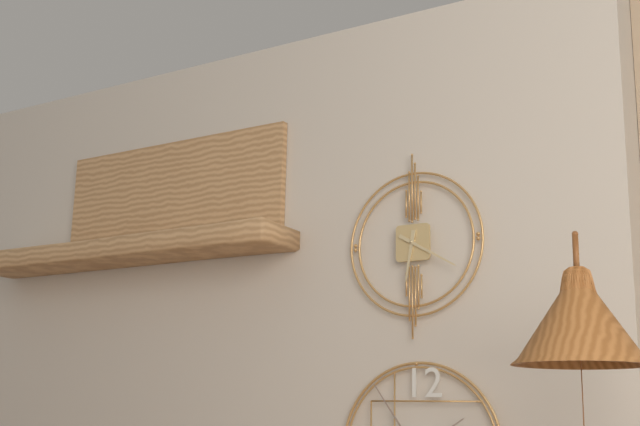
h=6 m=20
